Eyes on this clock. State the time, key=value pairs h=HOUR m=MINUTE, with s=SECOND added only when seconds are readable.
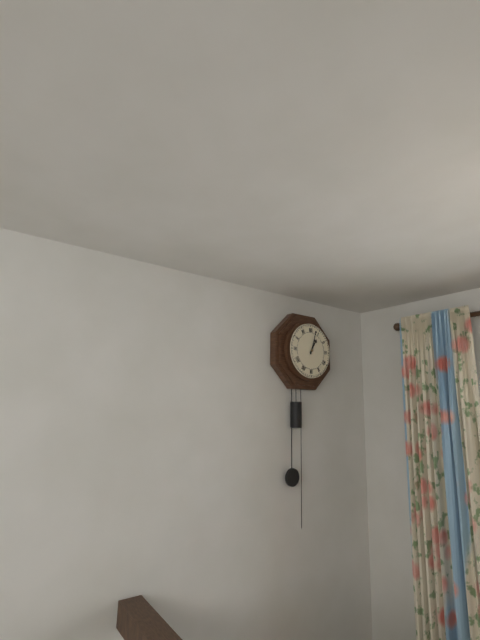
h=1 m=3
